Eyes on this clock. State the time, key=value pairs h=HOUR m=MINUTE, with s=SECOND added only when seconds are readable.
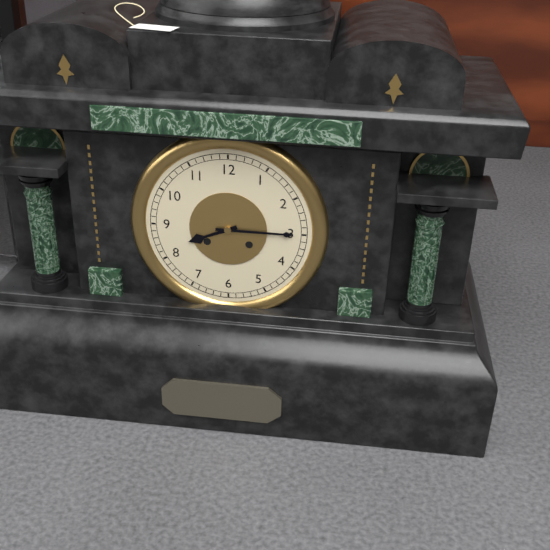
h=8 m=15
